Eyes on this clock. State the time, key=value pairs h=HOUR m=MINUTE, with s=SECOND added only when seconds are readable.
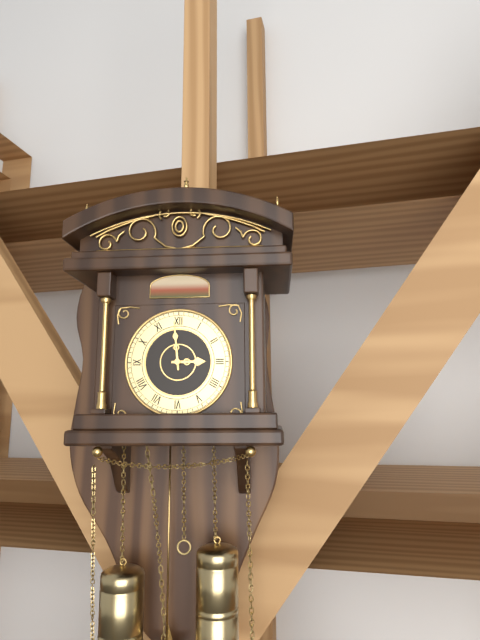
h=2 m=59
